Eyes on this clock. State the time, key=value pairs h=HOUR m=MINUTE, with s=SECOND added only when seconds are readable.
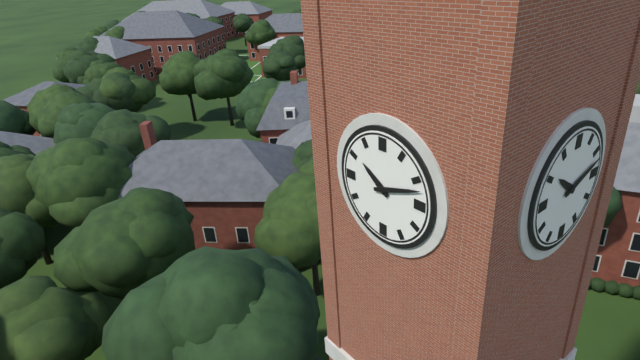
h=10 m=12
